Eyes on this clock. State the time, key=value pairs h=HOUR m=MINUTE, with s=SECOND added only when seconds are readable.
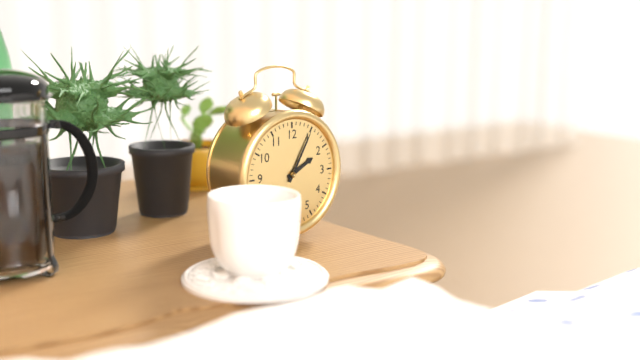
h=2 m=5
